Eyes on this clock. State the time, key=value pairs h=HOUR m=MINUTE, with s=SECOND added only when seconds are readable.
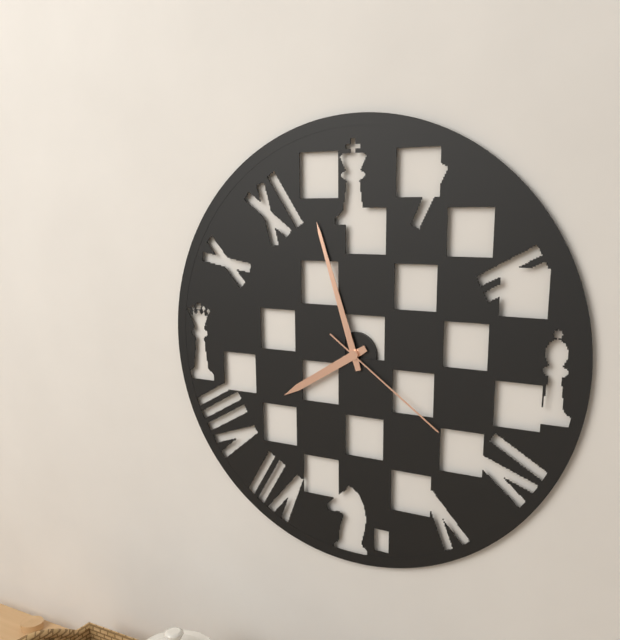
h=7 m=57 s=21
